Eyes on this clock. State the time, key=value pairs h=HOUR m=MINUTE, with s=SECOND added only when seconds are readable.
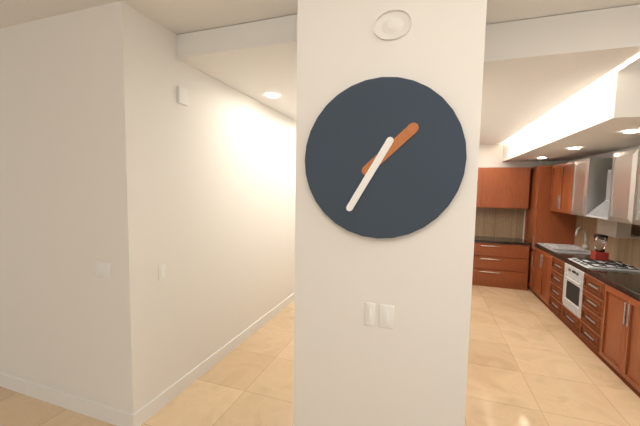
h=1 m=35
